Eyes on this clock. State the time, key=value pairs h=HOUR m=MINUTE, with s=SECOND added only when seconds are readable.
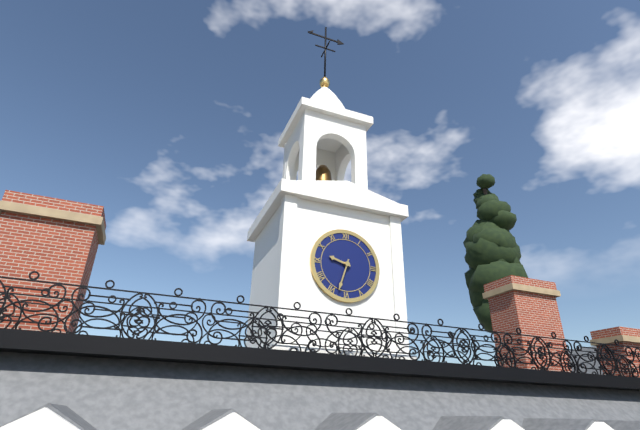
h=9 m=33
